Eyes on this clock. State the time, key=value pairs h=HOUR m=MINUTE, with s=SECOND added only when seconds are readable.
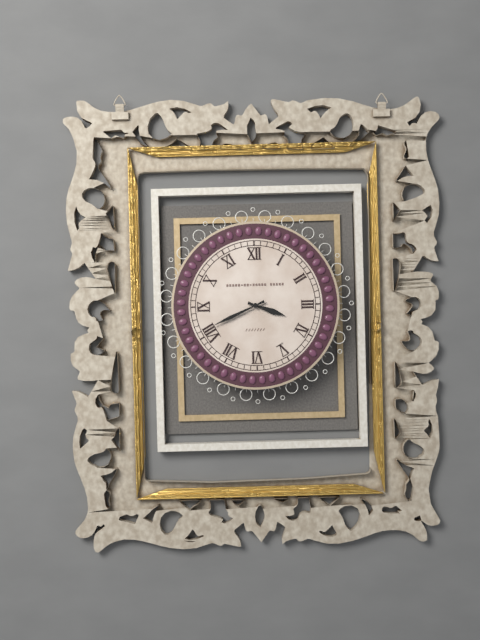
h=3 m=41
